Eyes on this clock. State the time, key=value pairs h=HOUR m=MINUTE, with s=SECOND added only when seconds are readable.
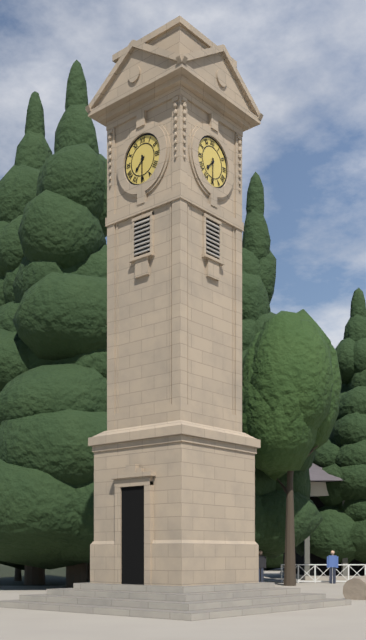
h=7 m=30
